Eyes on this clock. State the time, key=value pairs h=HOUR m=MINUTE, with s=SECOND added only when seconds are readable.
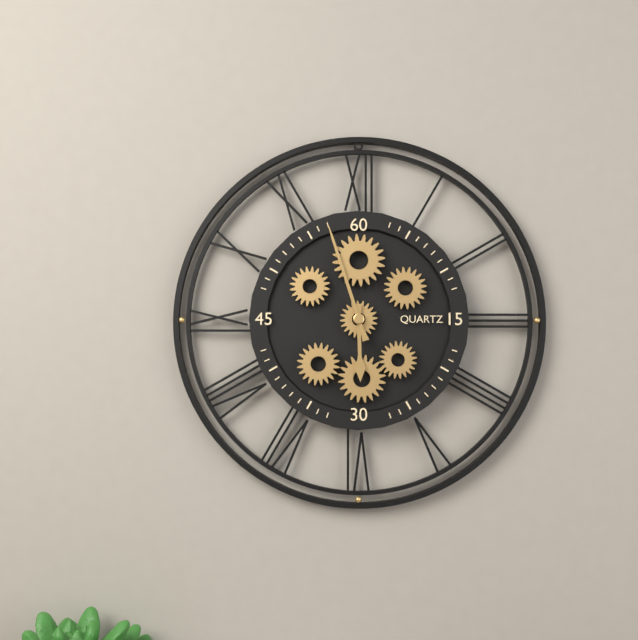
h=5 m=57
